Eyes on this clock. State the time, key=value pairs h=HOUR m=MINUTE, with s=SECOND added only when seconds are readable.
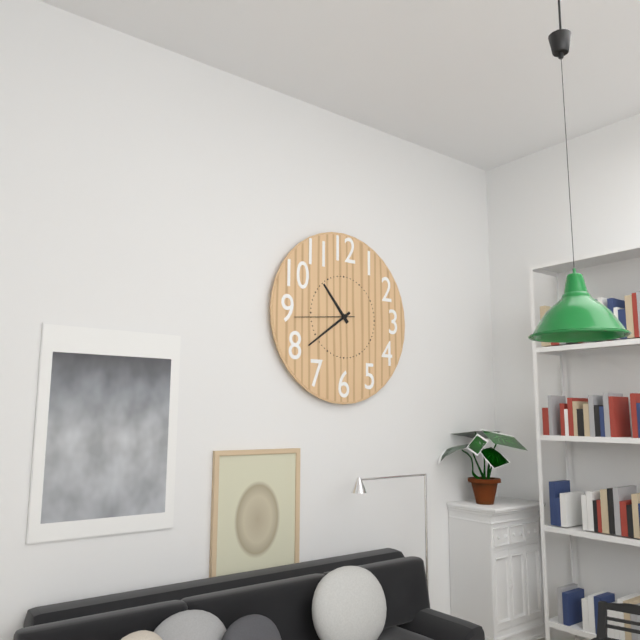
h=10 m=39 s=44
